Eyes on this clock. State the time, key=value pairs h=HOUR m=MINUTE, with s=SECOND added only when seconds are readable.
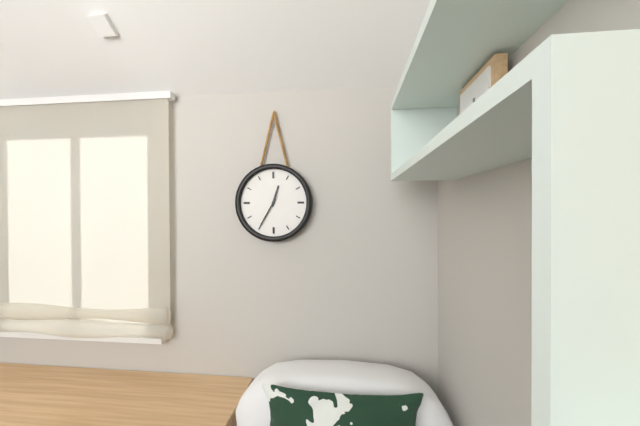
h=12 m=35
